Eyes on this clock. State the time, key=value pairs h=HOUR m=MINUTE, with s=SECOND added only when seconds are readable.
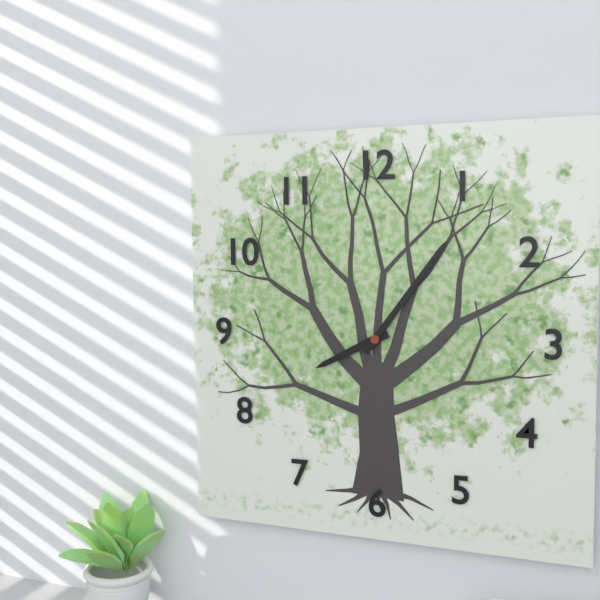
h=8 m=6
